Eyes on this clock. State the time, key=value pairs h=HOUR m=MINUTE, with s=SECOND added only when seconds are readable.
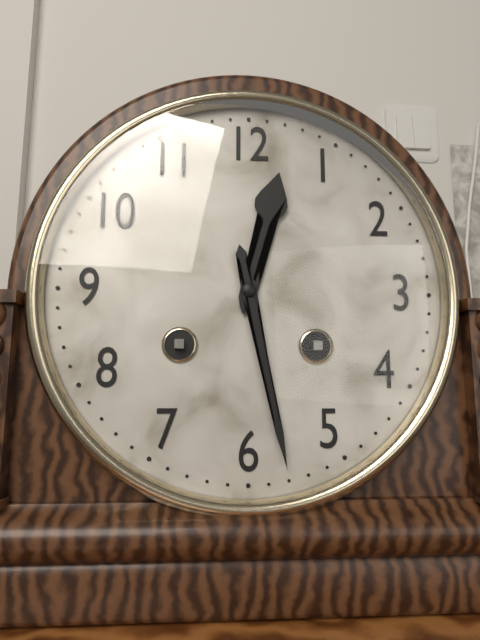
h=12 m=28
